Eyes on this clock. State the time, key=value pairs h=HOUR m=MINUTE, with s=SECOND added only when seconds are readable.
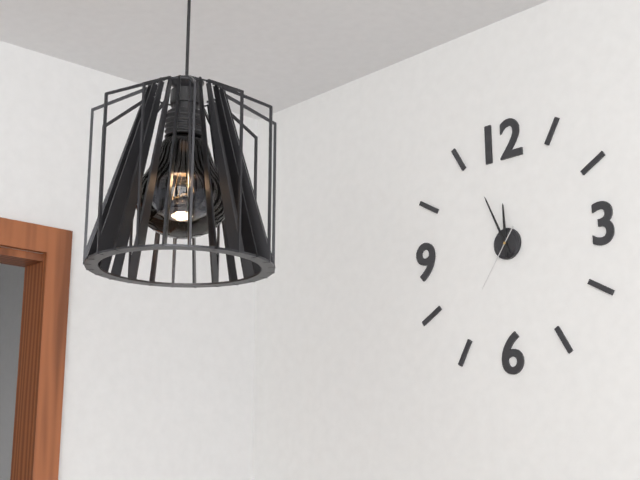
h=11 m=56 s=36
